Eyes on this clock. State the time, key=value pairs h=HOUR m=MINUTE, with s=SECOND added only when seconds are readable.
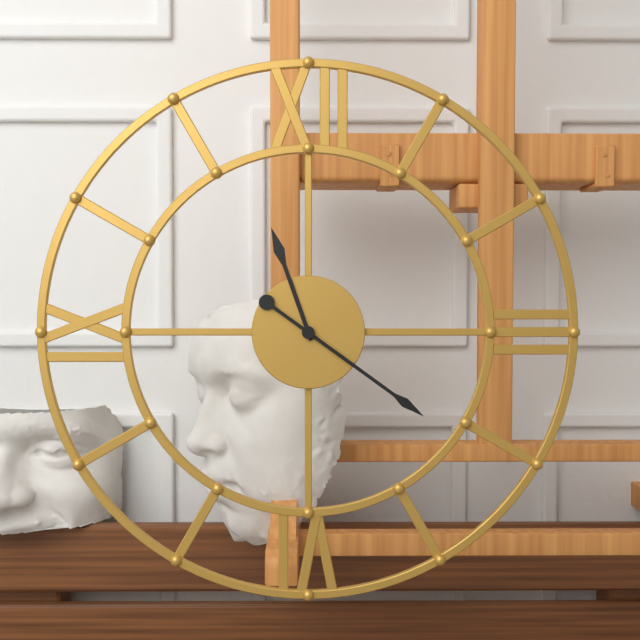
h=11 m=21
